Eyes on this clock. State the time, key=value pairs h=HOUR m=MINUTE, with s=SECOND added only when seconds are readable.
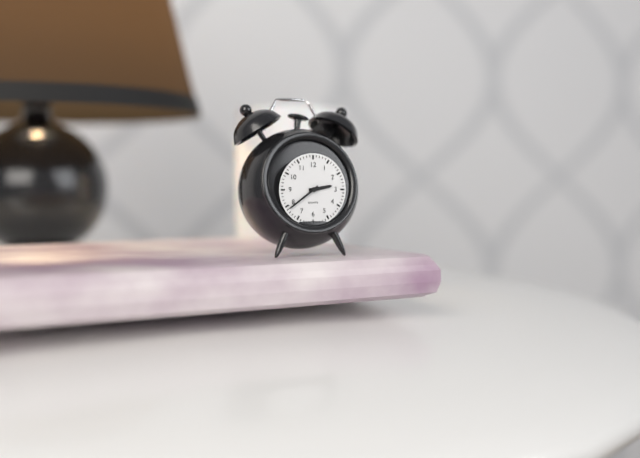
h=2 m=39
